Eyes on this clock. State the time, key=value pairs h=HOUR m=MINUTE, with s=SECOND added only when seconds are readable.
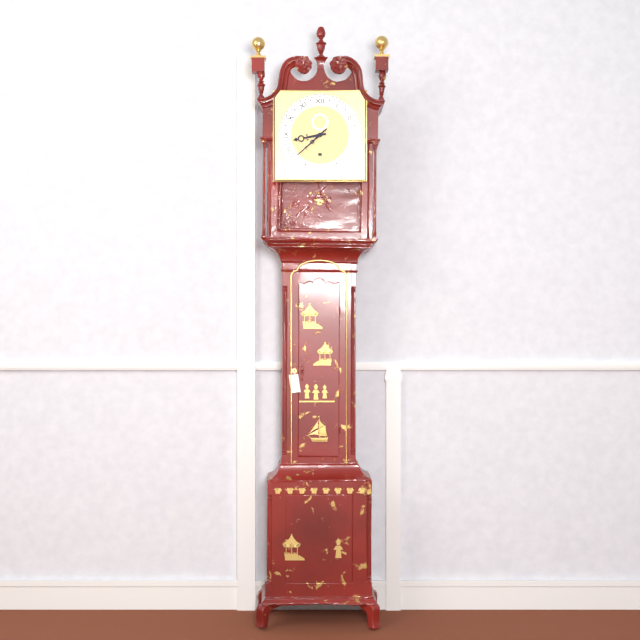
h=8 m=38
